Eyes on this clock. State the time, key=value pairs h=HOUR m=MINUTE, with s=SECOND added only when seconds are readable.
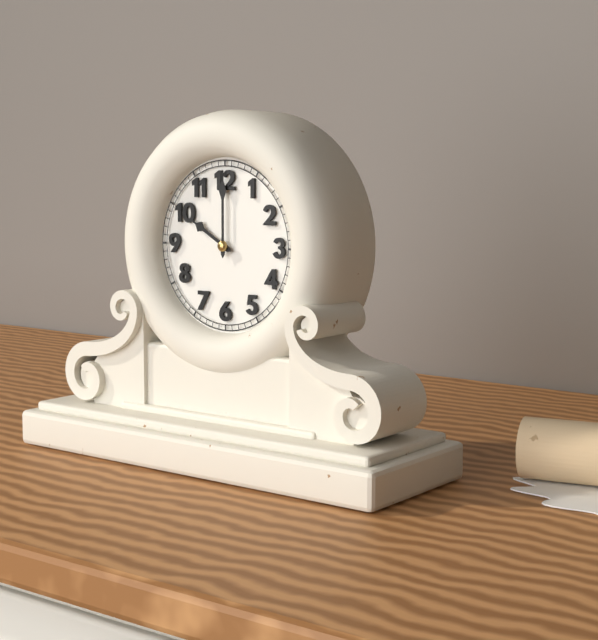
h=10 m=0
